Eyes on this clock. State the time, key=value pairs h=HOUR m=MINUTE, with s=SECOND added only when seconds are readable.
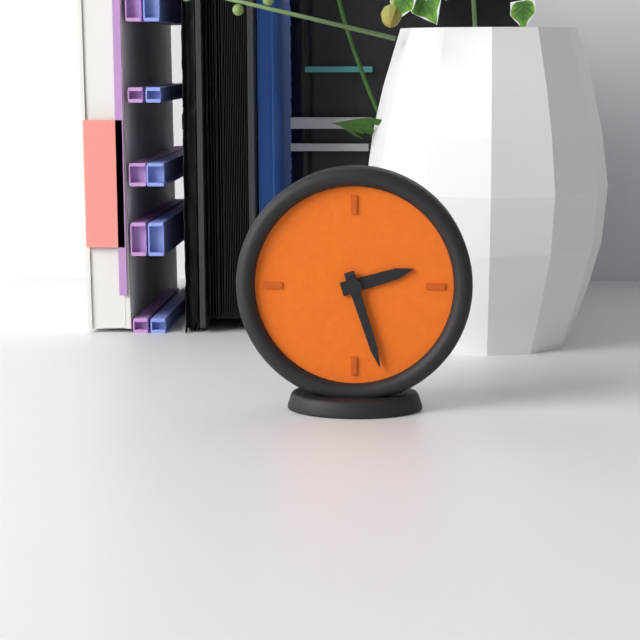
h=2 m=27
